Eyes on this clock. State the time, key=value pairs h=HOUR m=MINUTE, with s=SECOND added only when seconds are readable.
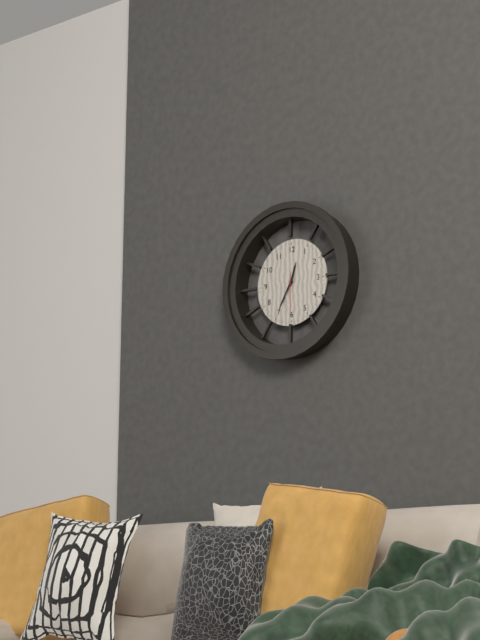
h=12 m=35
